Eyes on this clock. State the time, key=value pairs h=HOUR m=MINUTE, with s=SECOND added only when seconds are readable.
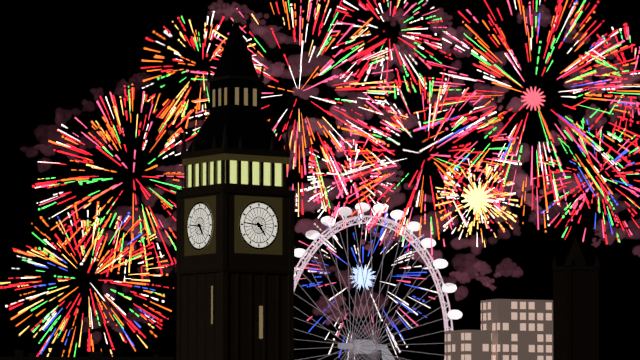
h=4 m=46
